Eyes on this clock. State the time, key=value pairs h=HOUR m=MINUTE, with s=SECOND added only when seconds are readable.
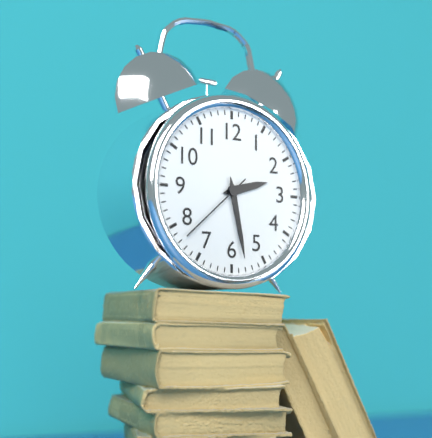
h=2 m=28 s=38
